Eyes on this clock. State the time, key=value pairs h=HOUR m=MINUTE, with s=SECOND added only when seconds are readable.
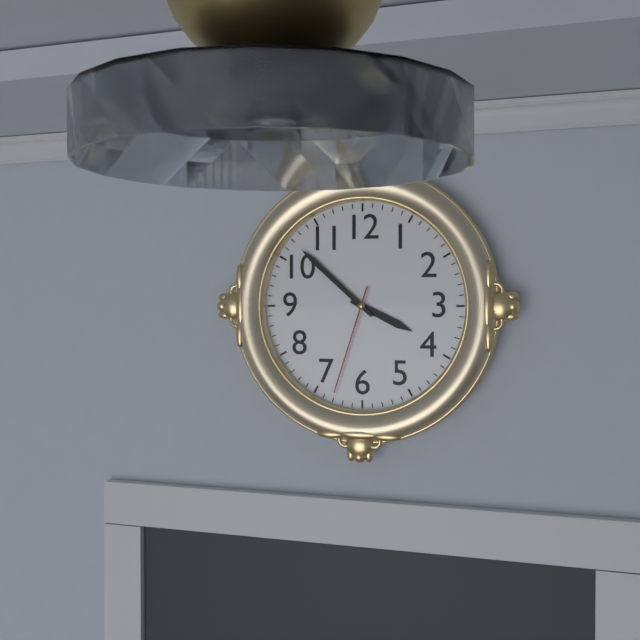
h=3 m=52 s=33
